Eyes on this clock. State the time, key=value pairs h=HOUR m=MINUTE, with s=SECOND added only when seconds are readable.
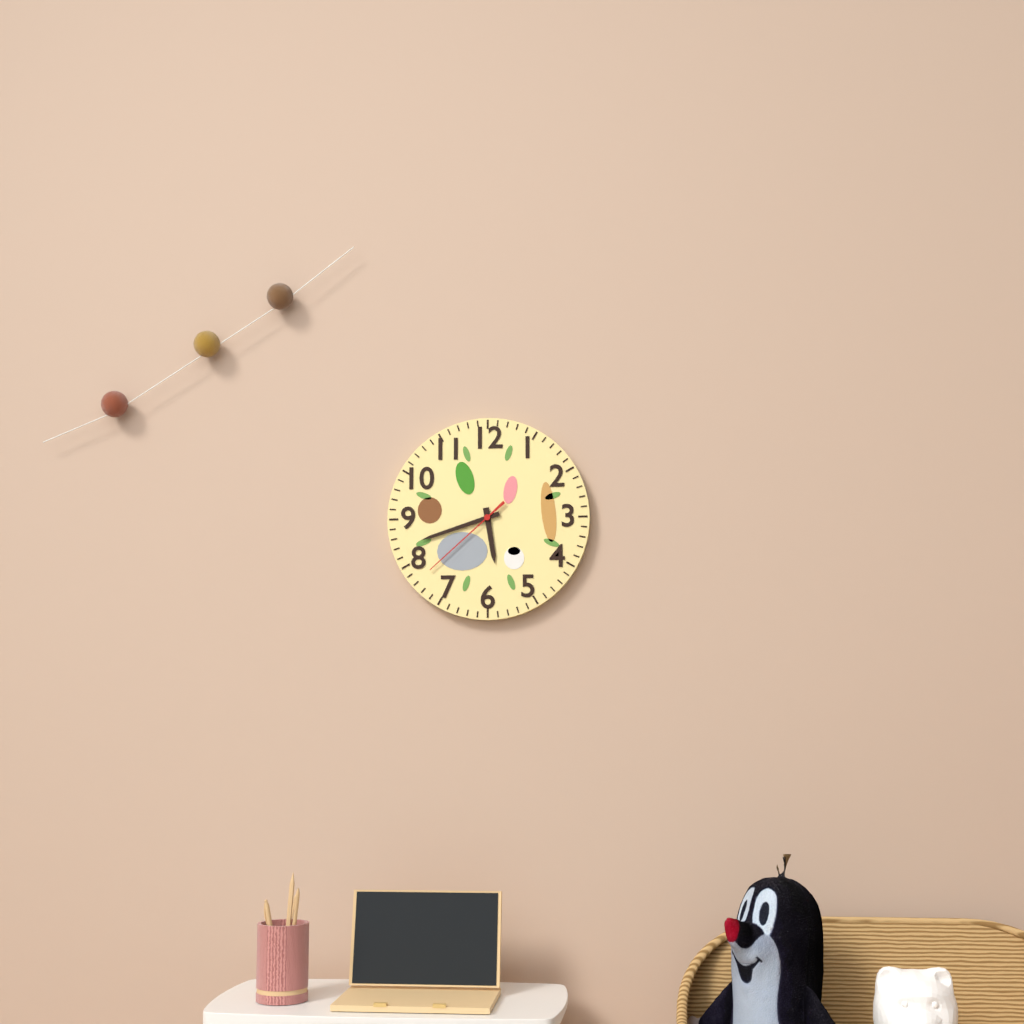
h=5 m=42 s=38
